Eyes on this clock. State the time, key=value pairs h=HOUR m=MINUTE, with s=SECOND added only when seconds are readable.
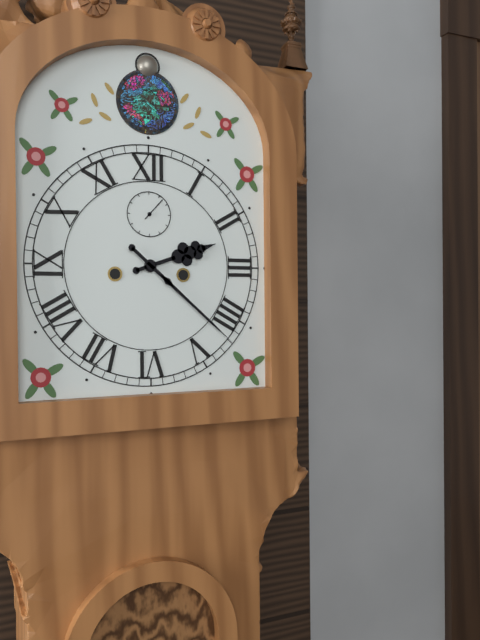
h=2 m=22
